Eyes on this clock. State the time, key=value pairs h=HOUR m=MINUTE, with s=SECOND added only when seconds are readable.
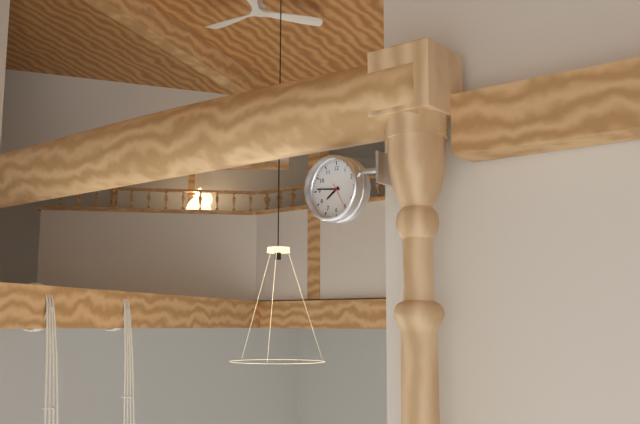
h=7 m=46
